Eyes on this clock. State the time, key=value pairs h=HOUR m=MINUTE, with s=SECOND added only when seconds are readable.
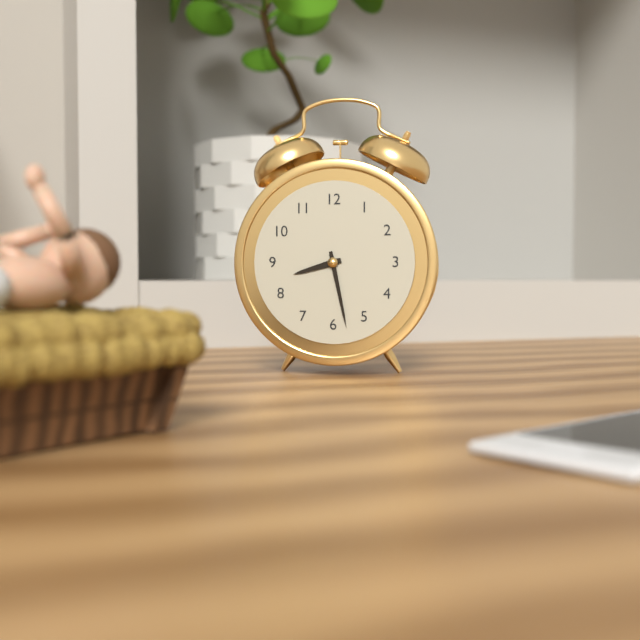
h=8 m=28
